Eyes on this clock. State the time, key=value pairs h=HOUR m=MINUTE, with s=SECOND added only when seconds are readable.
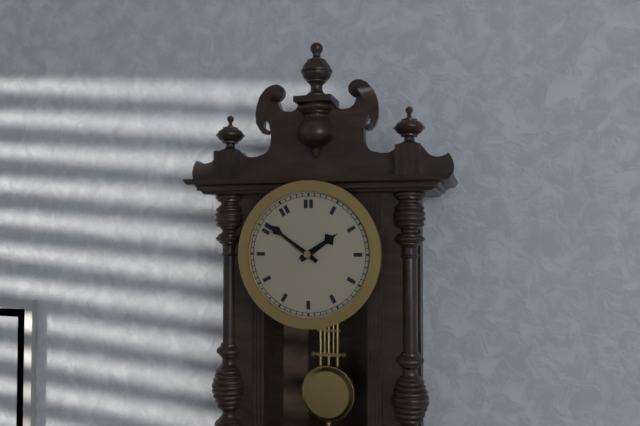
h=1 m=51
